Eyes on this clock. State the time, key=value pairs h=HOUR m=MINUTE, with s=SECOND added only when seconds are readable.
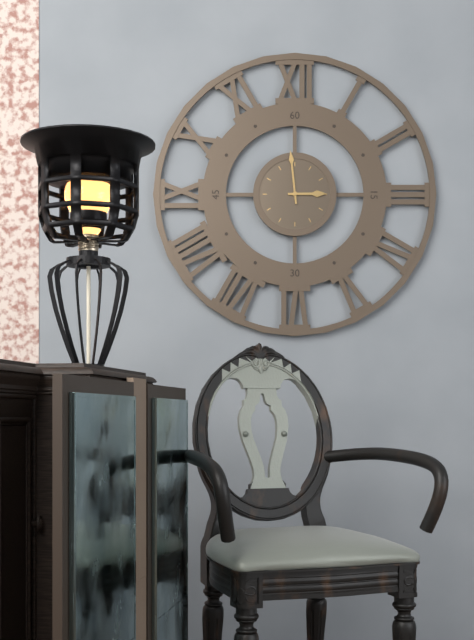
h=2 m=59
